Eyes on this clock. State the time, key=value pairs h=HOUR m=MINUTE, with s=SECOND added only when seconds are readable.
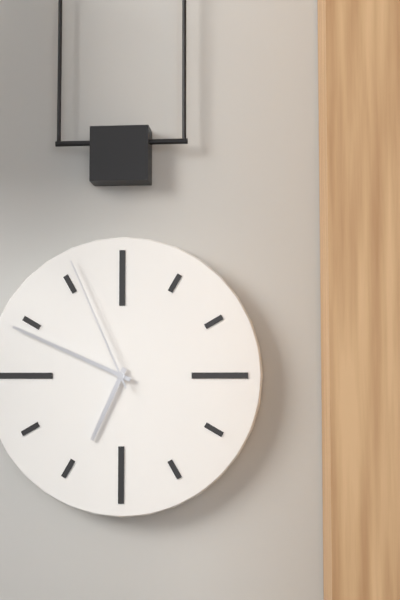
h=6 m=49 s=56
